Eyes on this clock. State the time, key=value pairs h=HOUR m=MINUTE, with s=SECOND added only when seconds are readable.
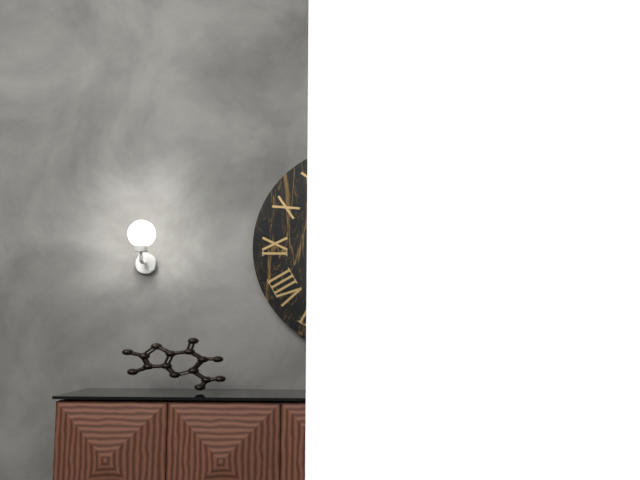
h=5 m=37
